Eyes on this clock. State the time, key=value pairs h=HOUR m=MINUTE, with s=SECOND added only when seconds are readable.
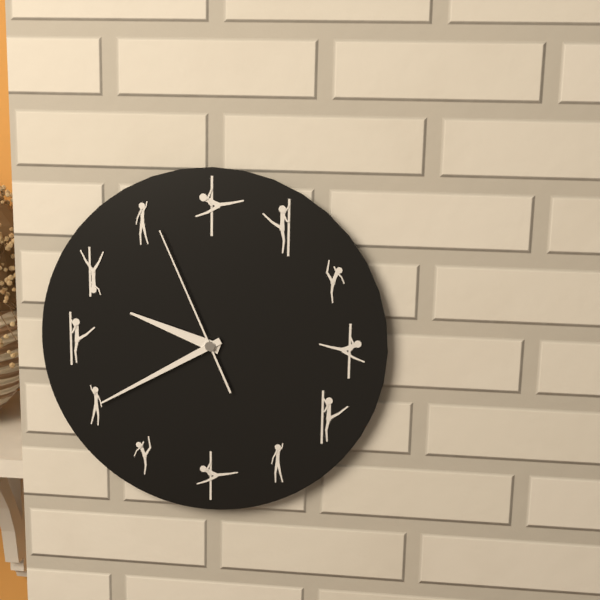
h=9 m=40 s=56
